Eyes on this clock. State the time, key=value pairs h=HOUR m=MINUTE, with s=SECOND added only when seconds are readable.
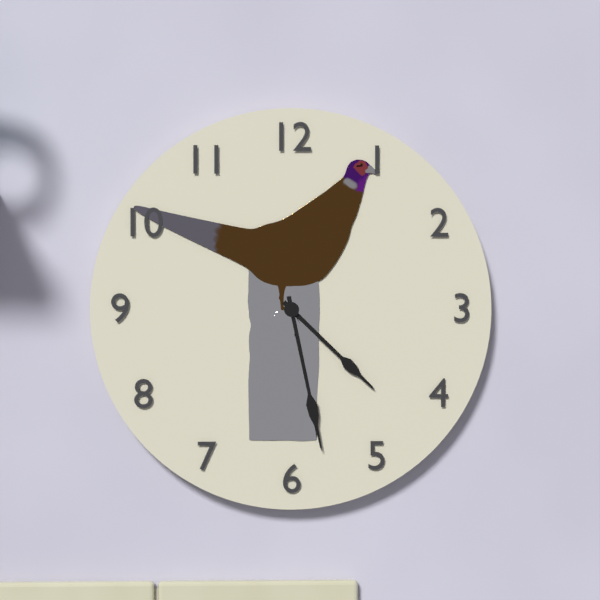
h=4 m=28
